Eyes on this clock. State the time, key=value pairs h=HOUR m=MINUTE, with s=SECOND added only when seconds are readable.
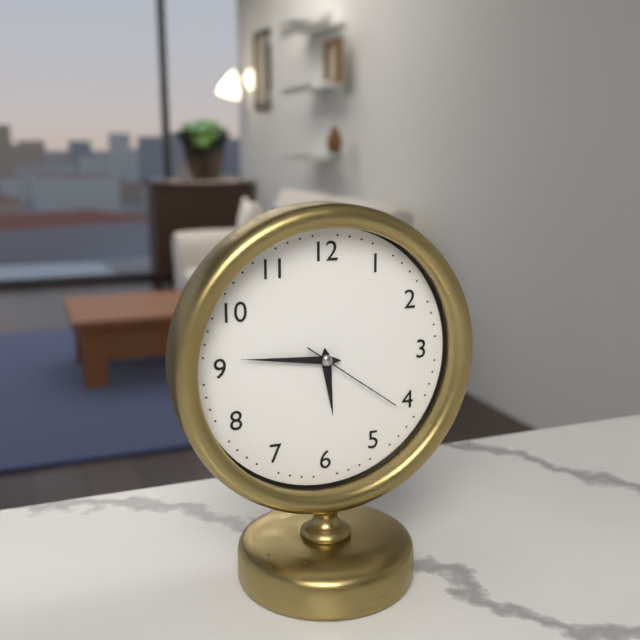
h=5 m=46 s=21
